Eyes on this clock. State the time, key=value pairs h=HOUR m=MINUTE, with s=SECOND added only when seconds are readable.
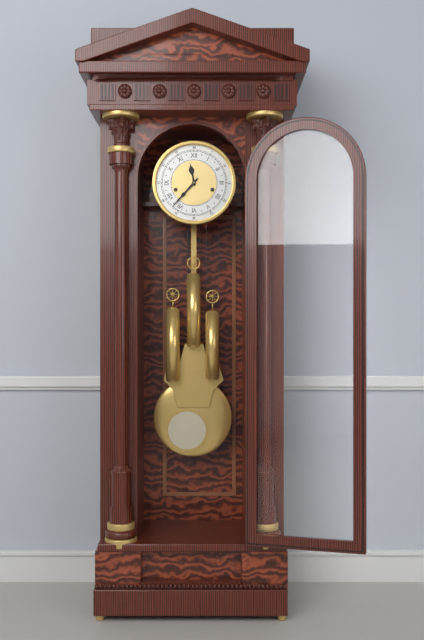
h=11 m=37
